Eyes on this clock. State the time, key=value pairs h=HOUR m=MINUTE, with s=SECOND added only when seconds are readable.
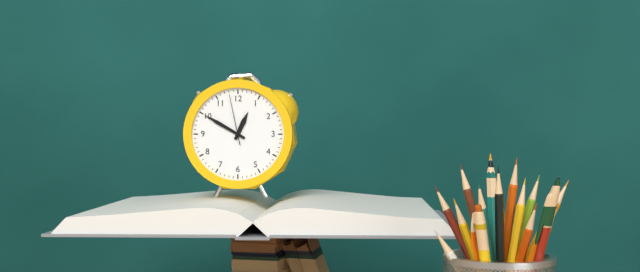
h=12 m=50 s=58
